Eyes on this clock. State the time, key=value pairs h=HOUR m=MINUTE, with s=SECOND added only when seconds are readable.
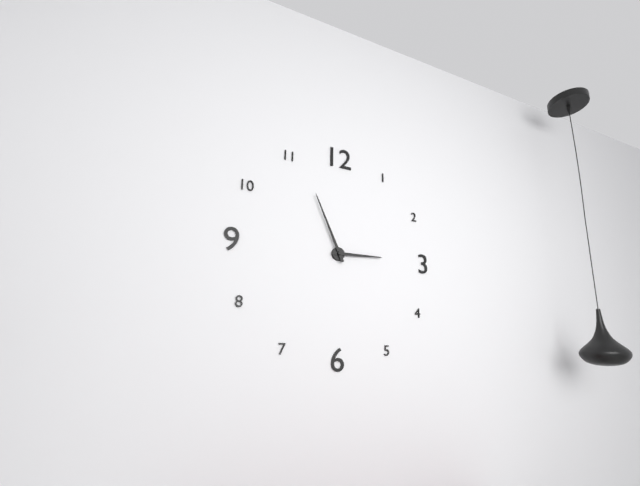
h=2 m=56
